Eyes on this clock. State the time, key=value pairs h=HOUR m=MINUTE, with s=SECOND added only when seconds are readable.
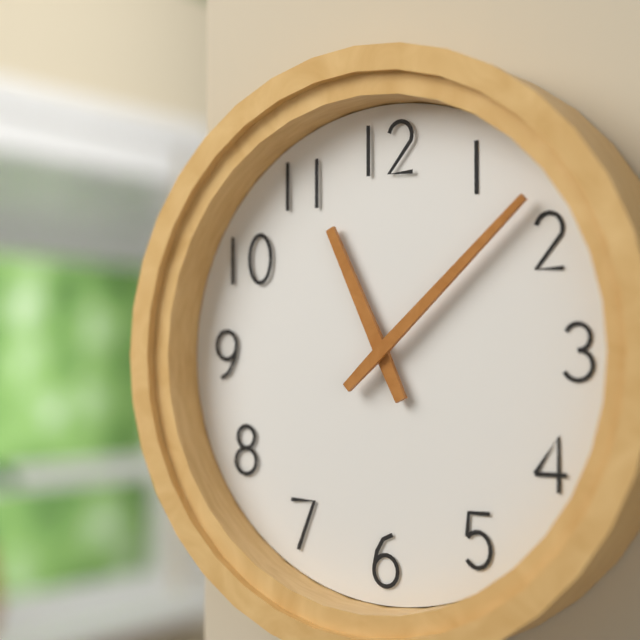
h=11 m=8
